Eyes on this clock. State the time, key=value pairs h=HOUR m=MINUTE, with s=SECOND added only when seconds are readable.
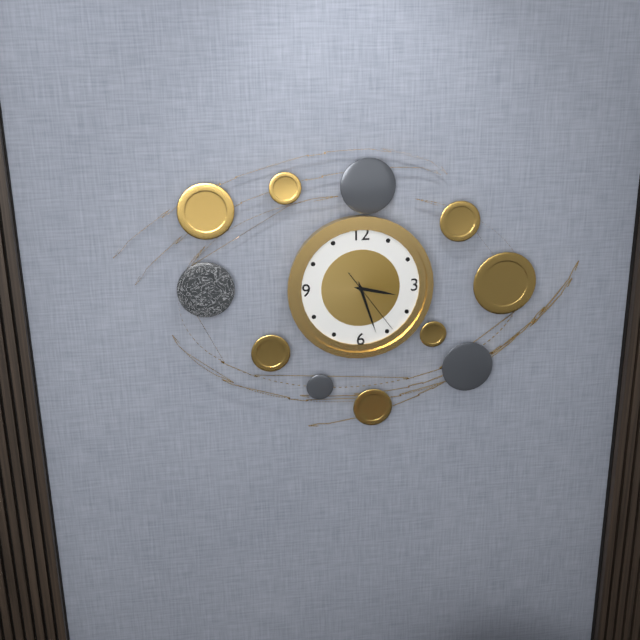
h=3 m=27 s=24
